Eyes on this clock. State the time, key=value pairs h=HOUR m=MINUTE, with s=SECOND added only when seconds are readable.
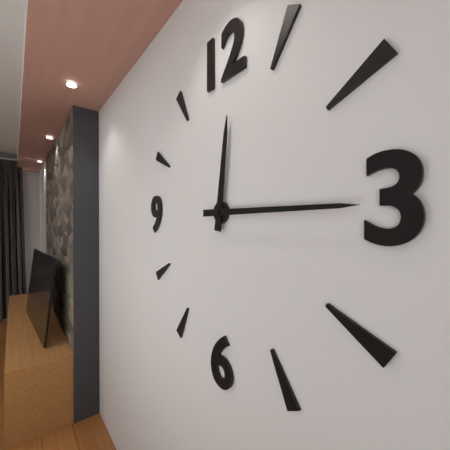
h=12 m=15
